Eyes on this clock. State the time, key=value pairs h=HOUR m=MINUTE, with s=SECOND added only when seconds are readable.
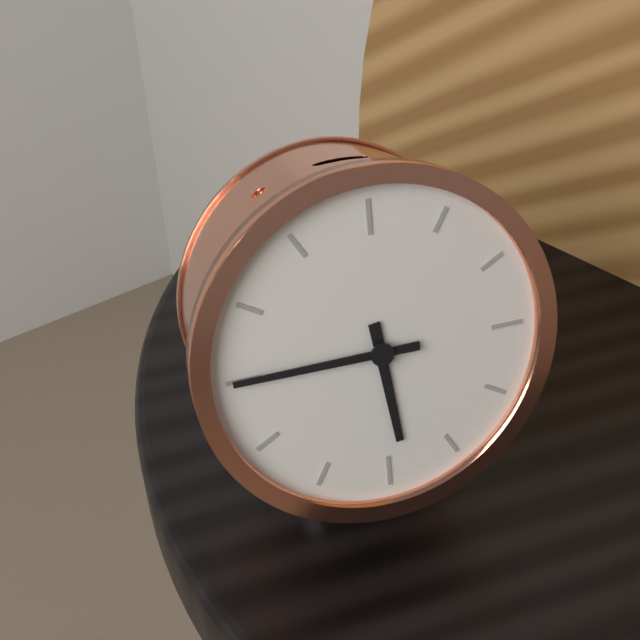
h=5 m=45
